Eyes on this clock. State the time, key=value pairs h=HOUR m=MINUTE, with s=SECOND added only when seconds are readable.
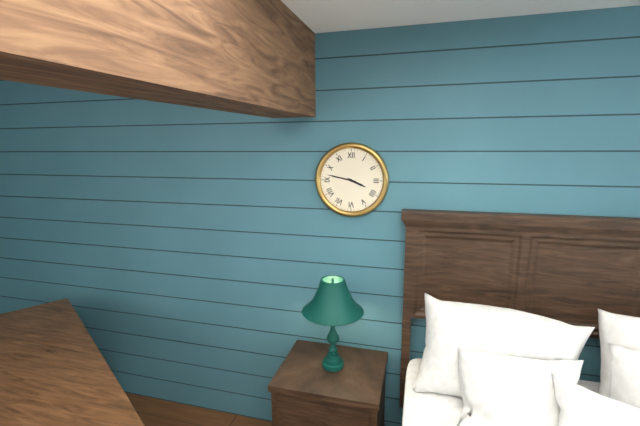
h=3 m=47
